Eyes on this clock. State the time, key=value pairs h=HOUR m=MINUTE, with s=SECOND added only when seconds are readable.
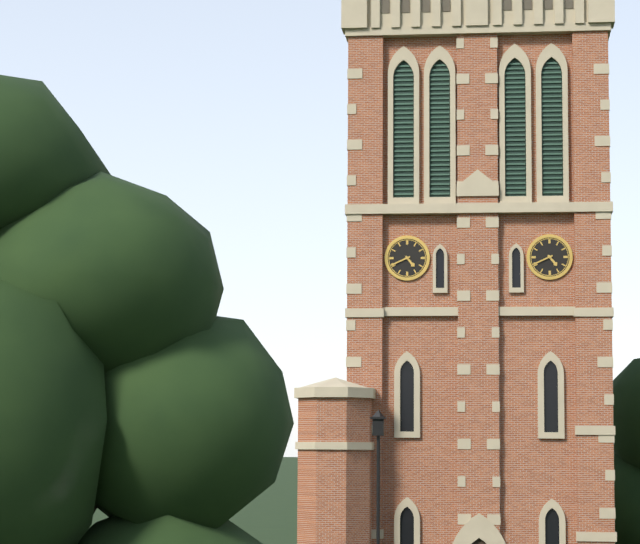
h=4 m=41
